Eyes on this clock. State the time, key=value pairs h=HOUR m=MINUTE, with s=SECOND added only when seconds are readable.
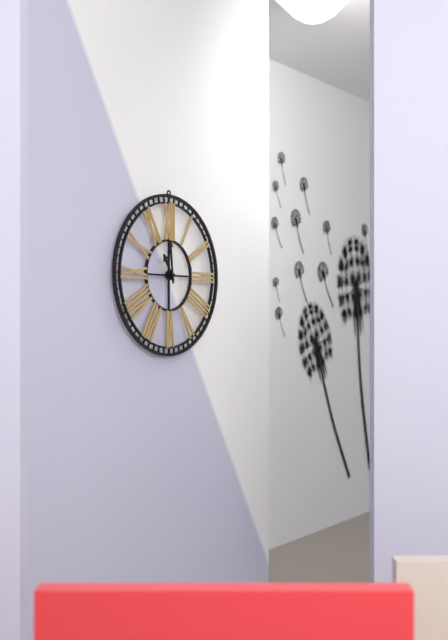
h=10 m=59
